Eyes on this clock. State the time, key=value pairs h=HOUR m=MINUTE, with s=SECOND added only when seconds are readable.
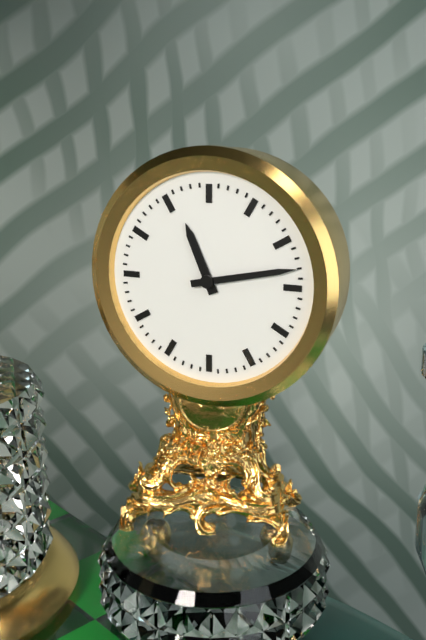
h=11 m=13
